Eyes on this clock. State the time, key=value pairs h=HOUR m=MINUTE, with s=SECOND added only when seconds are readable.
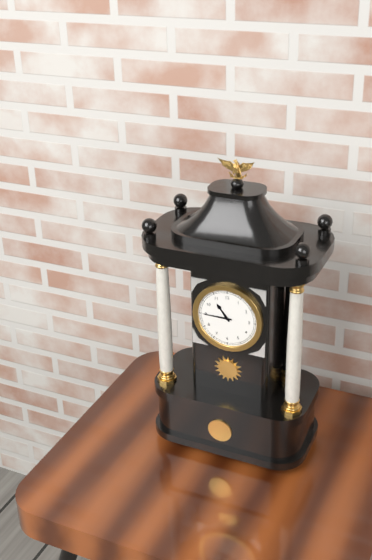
h=10 m=45
